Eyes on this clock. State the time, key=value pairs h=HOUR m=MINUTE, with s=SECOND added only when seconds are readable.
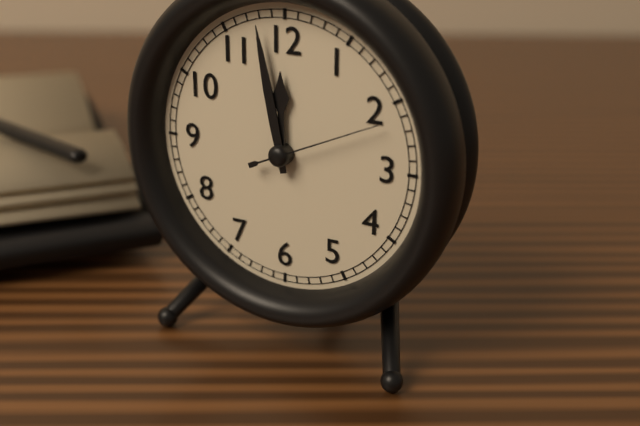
h=11 m=58 s=11
